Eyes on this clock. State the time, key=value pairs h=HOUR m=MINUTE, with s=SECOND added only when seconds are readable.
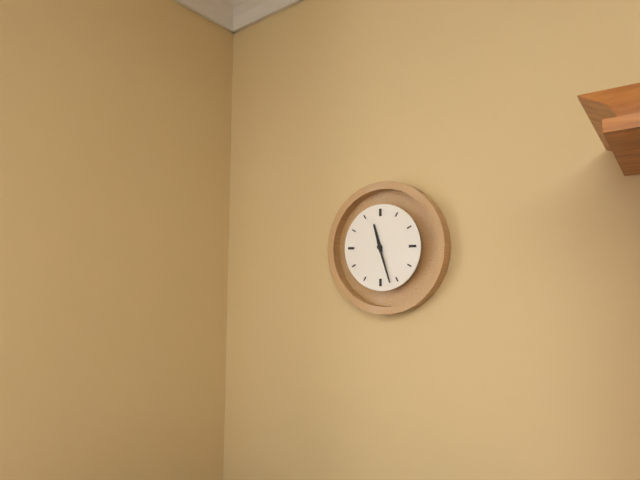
h=11 m=27
